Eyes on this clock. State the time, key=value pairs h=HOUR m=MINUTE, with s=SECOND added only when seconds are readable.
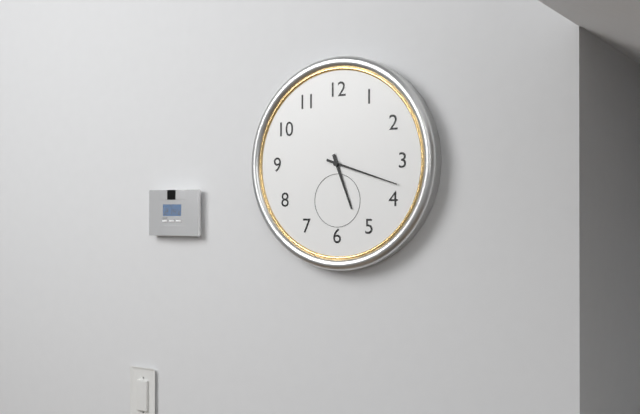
h=5 m=18
